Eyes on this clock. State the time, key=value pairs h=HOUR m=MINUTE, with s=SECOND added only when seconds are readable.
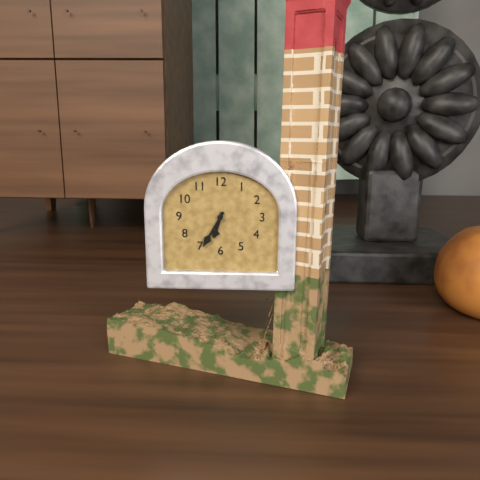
h=6 m=35
